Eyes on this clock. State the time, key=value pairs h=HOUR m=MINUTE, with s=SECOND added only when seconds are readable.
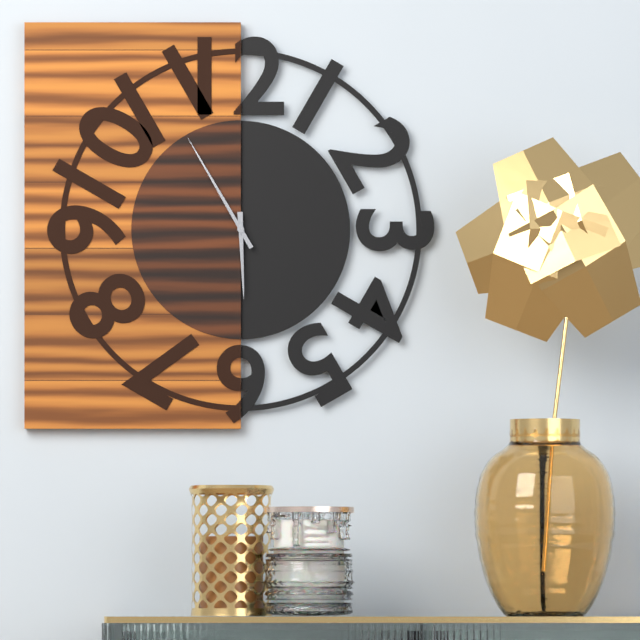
h=5 m=55
